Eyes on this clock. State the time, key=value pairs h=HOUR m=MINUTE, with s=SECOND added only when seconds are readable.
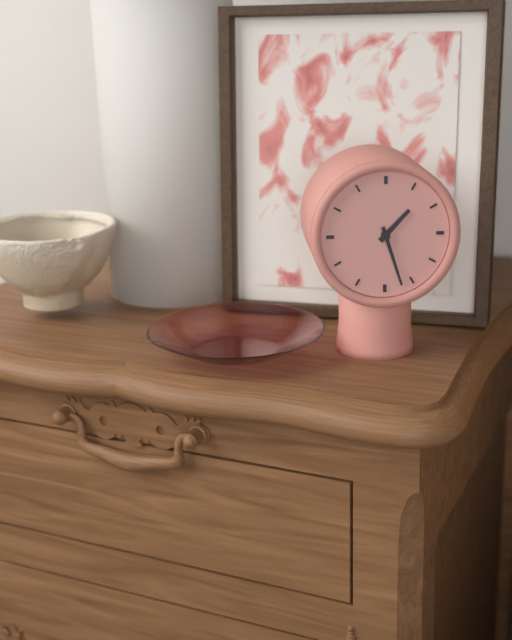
h=1 m=27
